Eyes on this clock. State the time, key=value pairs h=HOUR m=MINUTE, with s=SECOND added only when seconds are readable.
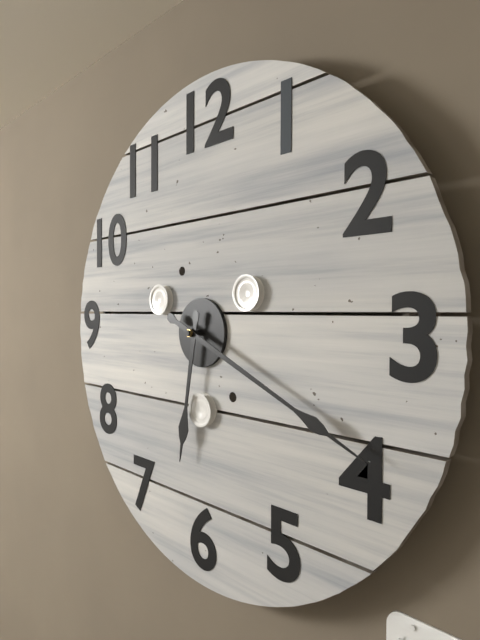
h=6 m=19
